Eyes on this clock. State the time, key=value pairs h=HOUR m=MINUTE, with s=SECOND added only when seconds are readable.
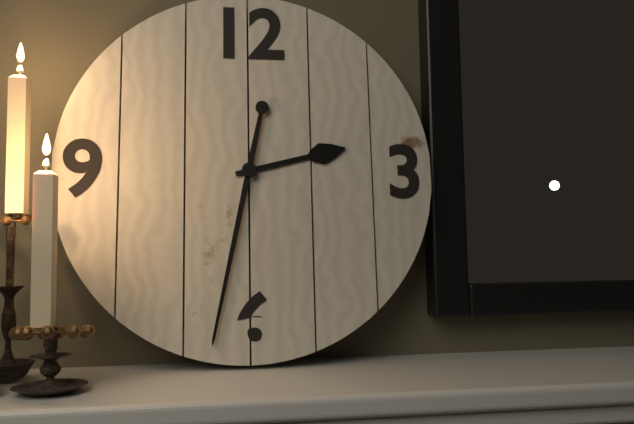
h=2 m=32
